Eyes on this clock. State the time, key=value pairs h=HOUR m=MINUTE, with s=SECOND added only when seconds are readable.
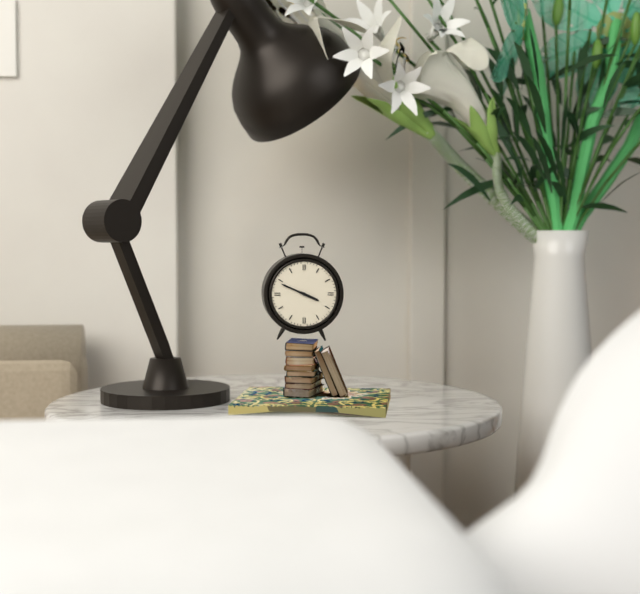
h=3 m=49
